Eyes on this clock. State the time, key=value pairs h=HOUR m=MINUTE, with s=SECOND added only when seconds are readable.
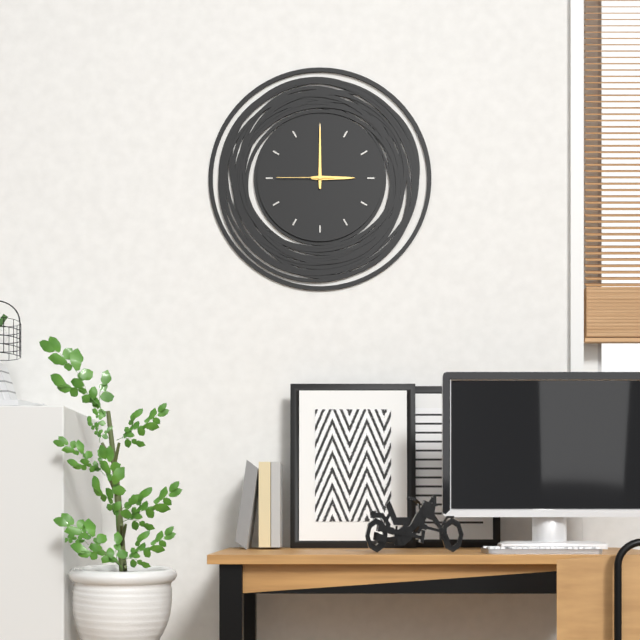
h=3 m=0 s=45
